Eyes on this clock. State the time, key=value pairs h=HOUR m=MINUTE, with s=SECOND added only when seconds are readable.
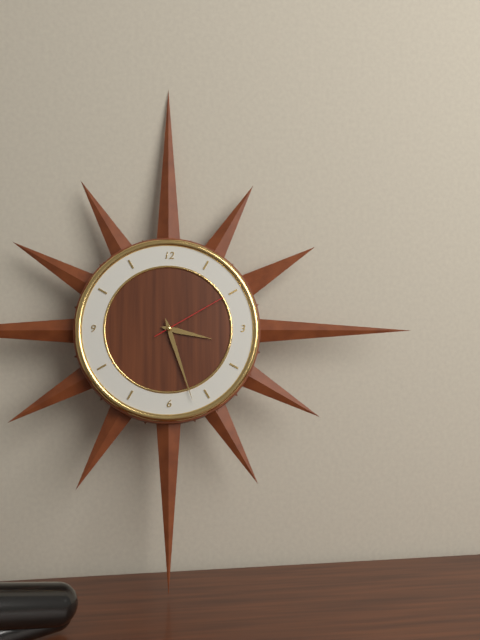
h=3 m=27 s=10
